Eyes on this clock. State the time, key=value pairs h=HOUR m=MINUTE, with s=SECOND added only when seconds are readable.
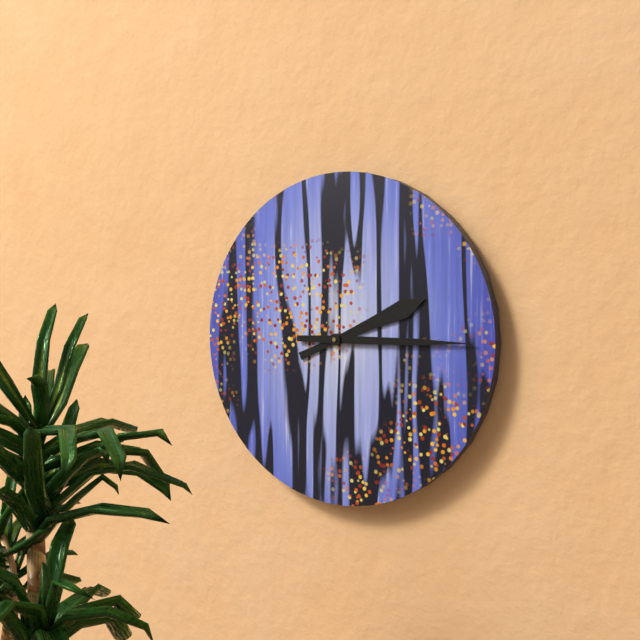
h=2 m=15
